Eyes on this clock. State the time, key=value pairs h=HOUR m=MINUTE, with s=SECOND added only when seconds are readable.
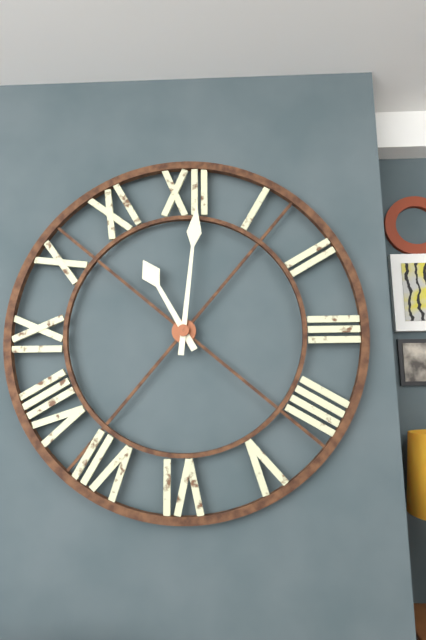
h=11 m=1
